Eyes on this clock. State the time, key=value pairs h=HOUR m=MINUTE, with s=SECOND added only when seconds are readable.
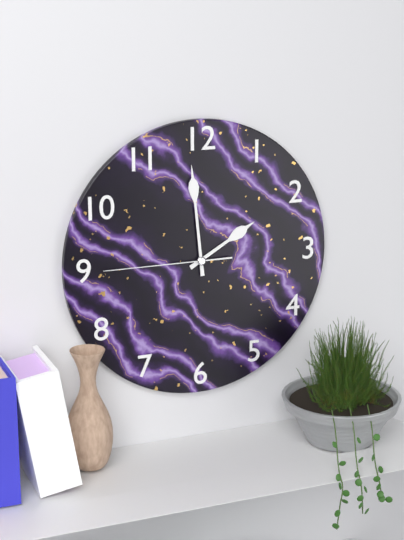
h=1 m=59 s=45
